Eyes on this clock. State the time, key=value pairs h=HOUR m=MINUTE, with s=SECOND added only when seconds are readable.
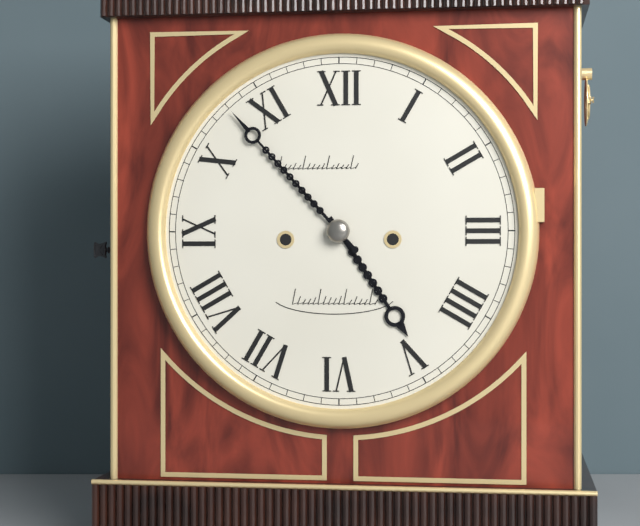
h=4 m=53
